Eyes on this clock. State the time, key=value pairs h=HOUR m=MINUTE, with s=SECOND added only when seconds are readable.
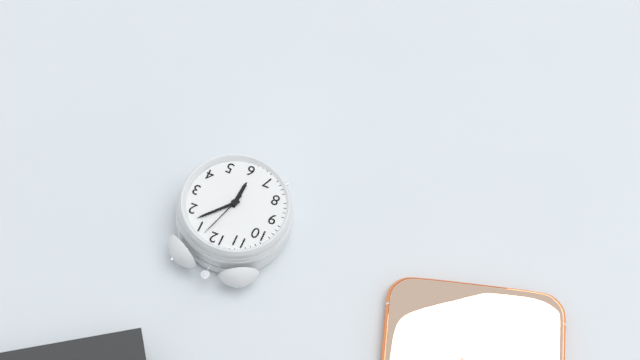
h=6 m=7 s=3
